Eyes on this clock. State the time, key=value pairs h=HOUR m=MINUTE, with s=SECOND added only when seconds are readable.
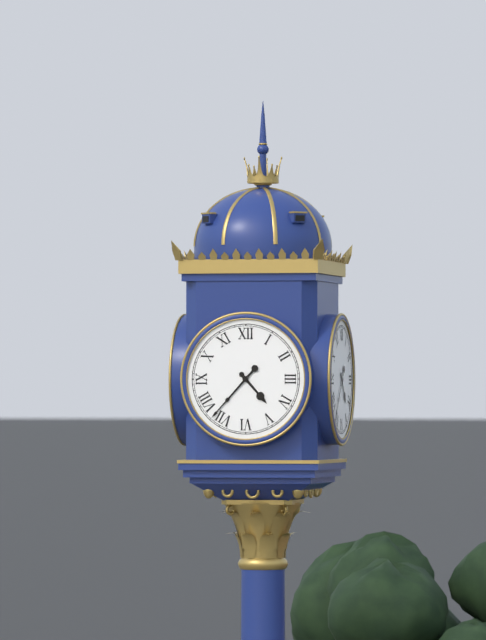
h=4 m=37
